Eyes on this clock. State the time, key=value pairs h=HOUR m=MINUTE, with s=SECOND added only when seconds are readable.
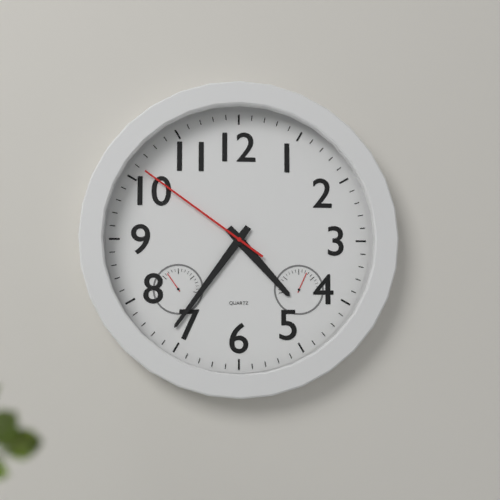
h=4 m=36 s=51
